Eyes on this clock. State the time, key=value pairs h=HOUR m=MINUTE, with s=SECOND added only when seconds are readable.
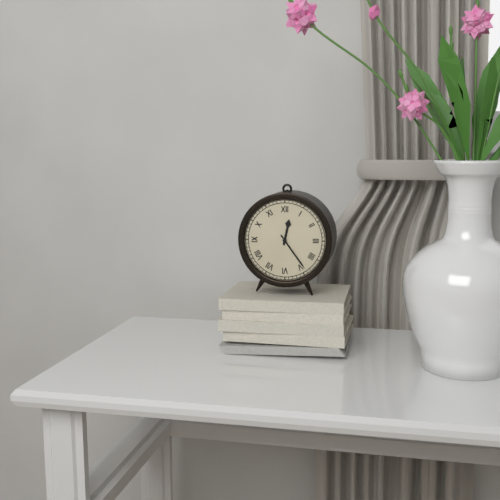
h=12 m=24
